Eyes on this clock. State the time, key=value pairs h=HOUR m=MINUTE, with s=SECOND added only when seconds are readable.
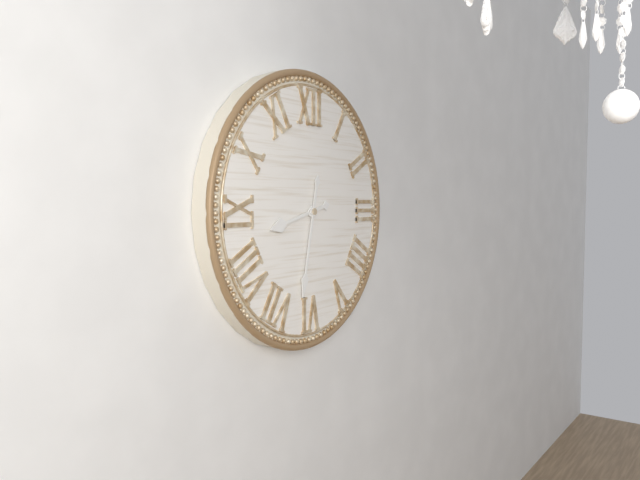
h=8 m=32
